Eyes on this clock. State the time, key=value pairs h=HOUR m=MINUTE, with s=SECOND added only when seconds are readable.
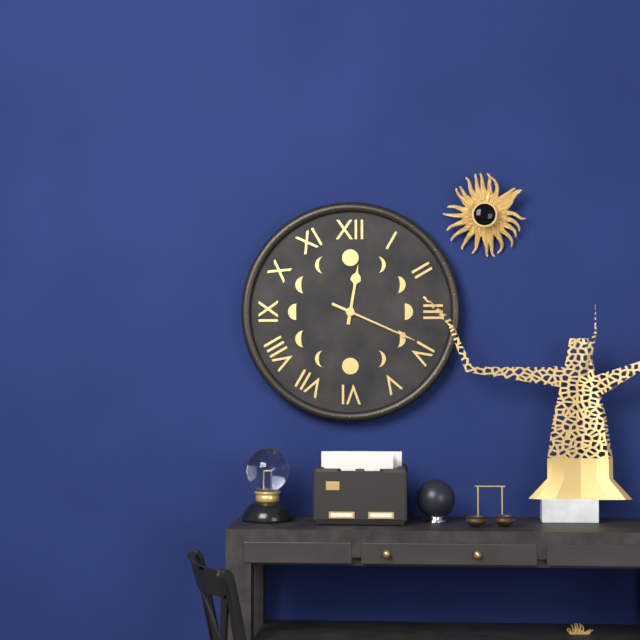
h=12 m=19
